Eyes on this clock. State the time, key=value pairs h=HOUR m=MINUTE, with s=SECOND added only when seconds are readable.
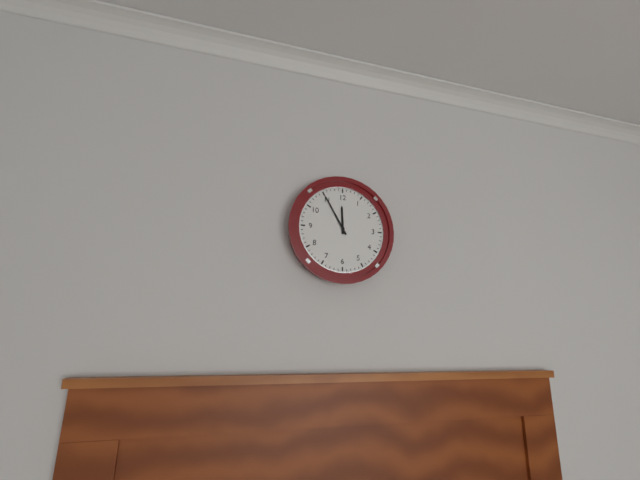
h=11 m=55
